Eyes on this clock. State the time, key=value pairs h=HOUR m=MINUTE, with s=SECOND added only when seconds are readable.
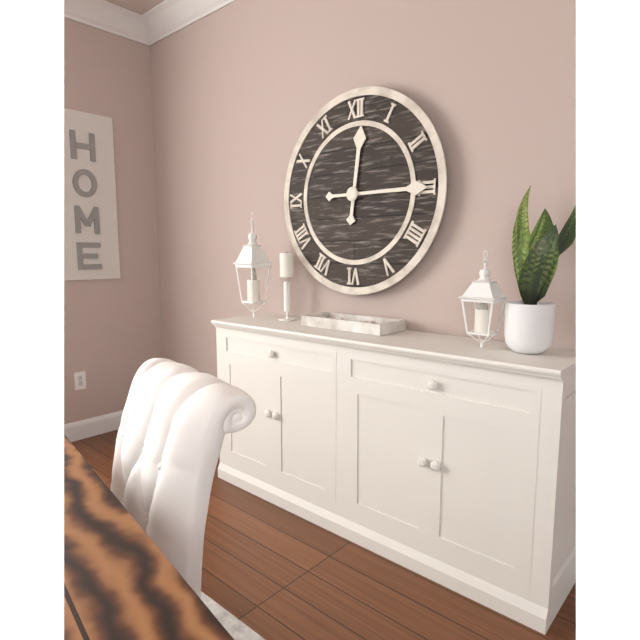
h=12 m=15
